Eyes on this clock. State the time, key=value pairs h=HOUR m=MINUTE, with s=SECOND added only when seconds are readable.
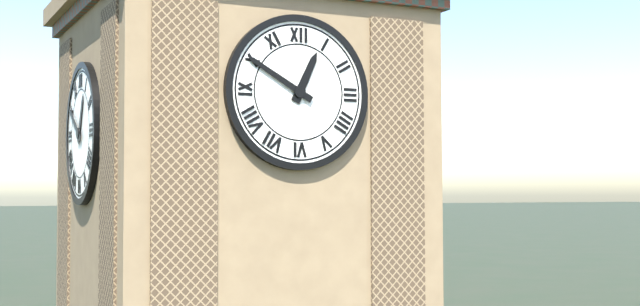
h=12 m=50
